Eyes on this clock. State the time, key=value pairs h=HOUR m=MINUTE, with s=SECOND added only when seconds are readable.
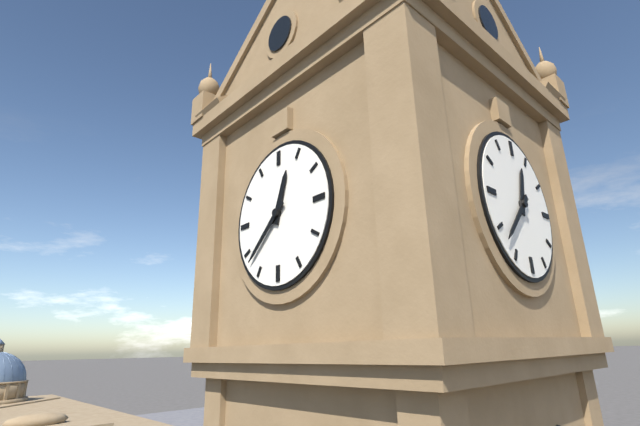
h=12 m=38
